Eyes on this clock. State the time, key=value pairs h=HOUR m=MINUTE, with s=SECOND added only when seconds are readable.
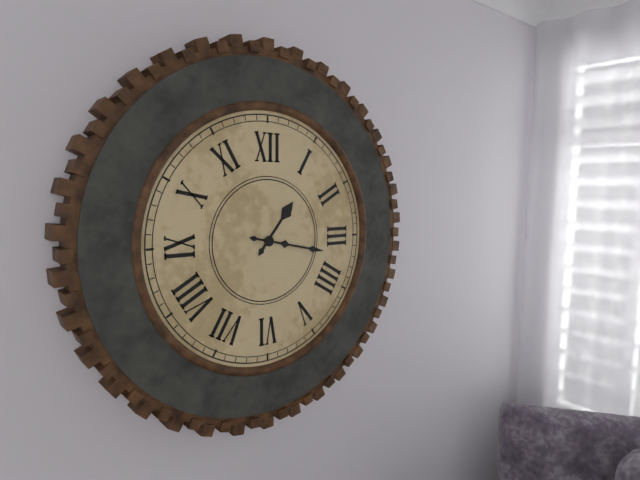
h=1 m=17
